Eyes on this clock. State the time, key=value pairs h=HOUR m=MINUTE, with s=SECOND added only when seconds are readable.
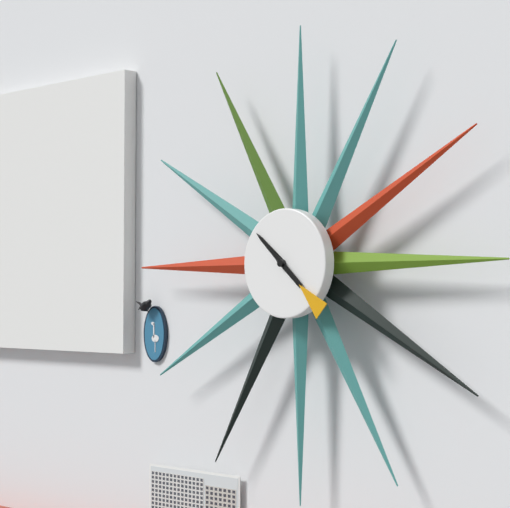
h=10 m=22
